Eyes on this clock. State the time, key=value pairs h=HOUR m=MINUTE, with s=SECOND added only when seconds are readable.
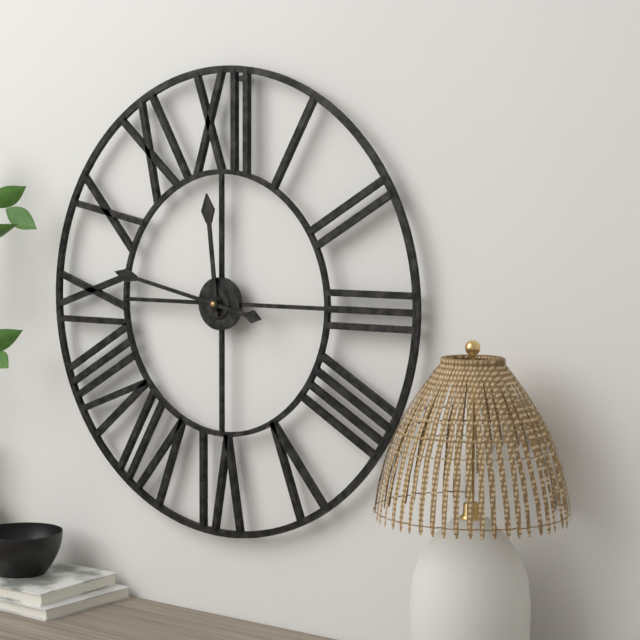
h=11 m=47
